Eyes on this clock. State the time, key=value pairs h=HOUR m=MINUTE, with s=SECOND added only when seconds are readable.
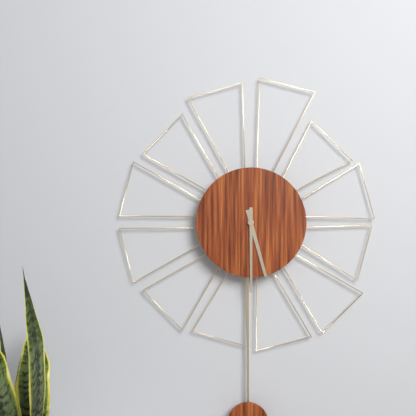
h=5 m=30
